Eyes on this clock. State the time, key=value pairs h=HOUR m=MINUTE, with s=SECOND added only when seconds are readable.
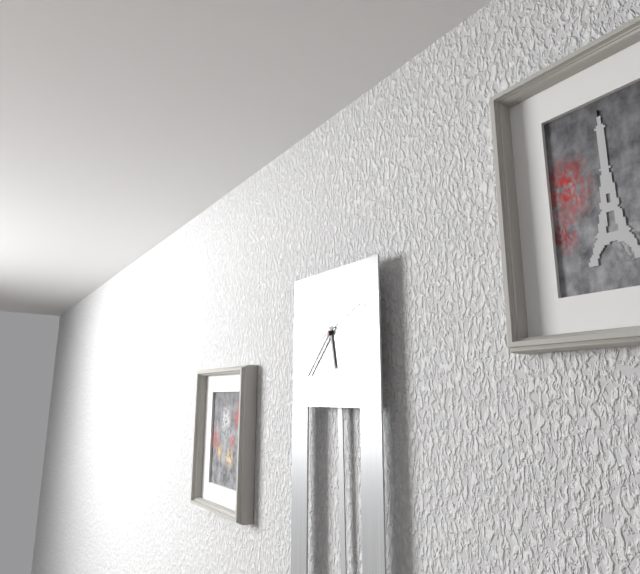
h=5 m=37 s=11
